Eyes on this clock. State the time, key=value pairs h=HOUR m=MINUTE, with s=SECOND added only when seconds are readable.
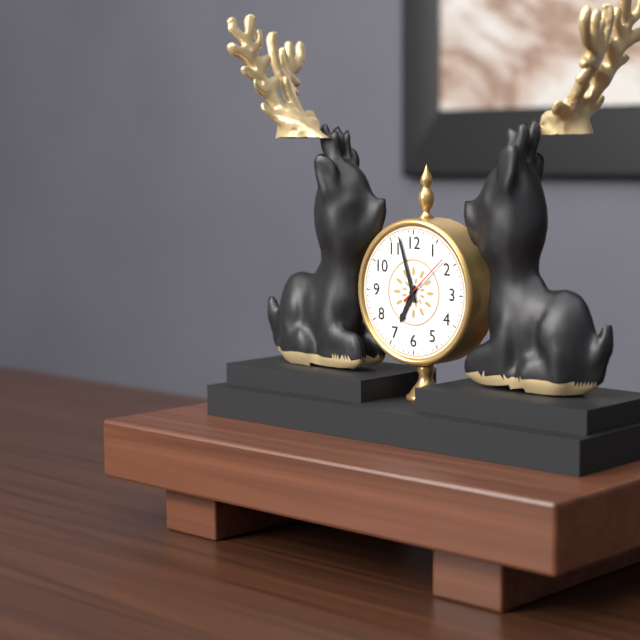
h=6 m=57 s=8
